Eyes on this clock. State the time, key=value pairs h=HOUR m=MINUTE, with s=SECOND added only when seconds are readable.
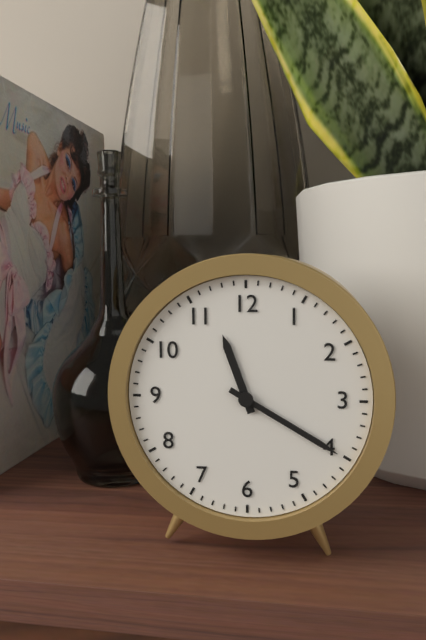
h=11 m=20
